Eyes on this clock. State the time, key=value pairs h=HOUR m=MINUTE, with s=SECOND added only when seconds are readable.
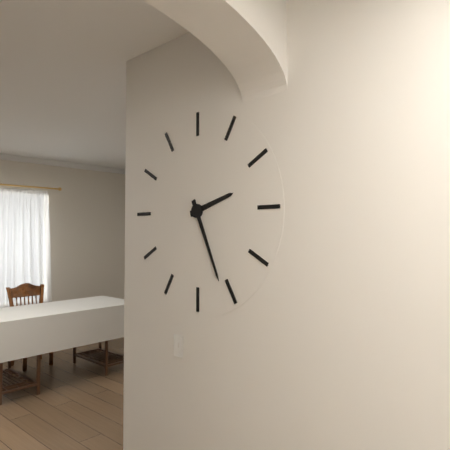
h=2 m=26
